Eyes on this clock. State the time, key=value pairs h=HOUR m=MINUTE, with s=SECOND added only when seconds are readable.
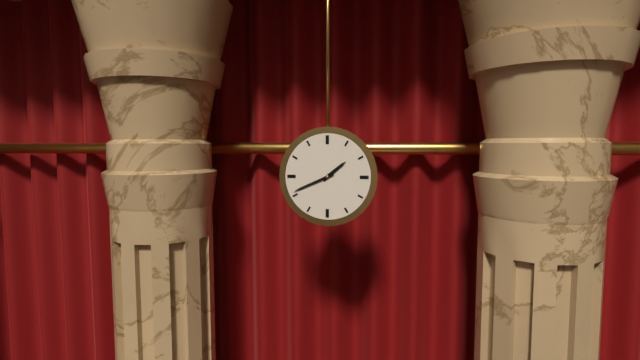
h=1 m=41
